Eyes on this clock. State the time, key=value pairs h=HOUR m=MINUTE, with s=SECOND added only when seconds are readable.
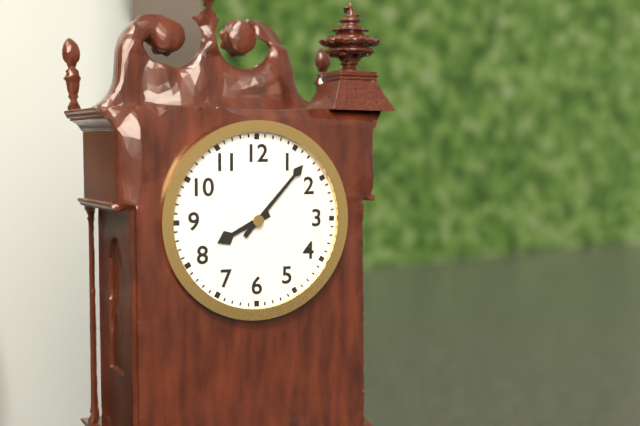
h=8 m=7
